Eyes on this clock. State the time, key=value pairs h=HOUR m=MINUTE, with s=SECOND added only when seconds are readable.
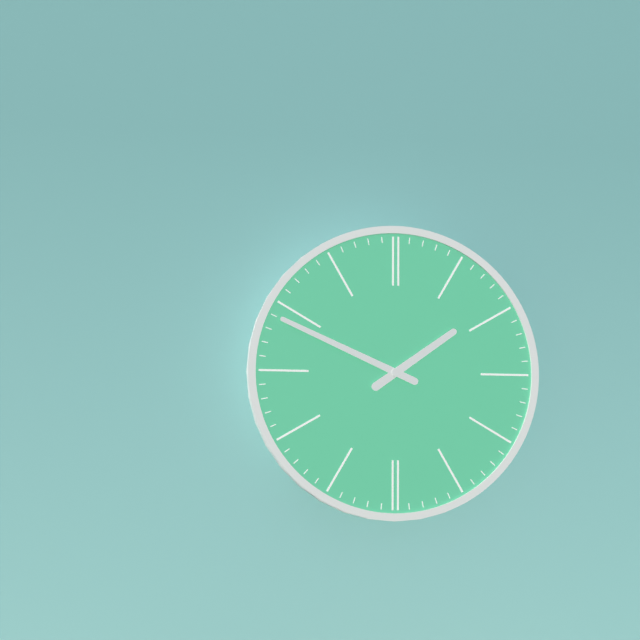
h=1 m=49
